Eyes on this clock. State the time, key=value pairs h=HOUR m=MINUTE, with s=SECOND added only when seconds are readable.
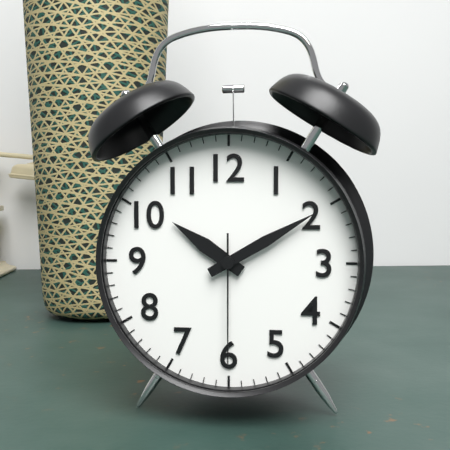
h=10 m=10 s=30
